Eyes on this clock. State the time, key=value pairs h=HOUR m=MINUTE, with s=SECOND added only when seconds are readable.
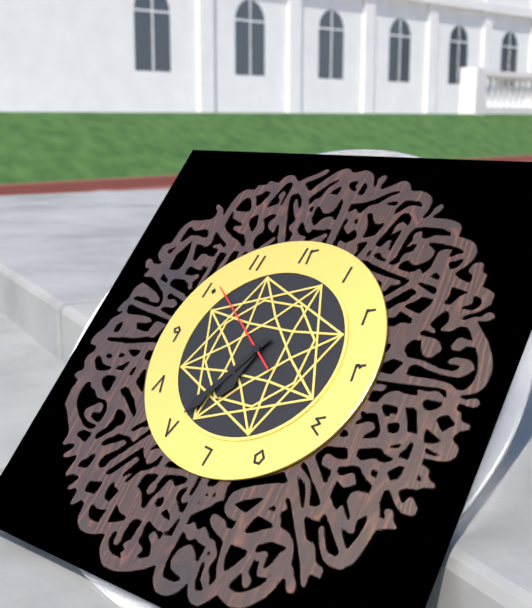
h=6 m=35 s=51
